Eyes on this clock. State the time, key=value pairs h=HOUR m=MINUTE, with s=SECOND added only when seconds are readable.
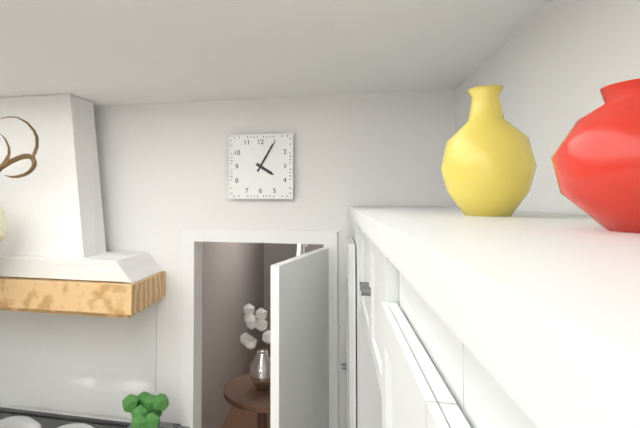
h=4 m=5
